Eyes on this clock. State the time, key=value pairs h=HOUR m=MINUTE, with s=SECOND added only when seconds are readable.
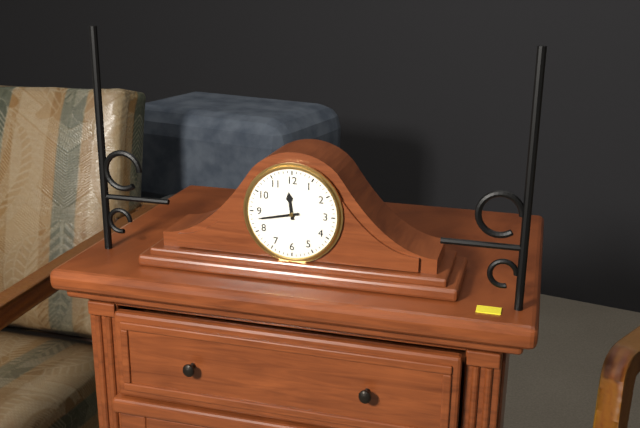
h=11 m=43
